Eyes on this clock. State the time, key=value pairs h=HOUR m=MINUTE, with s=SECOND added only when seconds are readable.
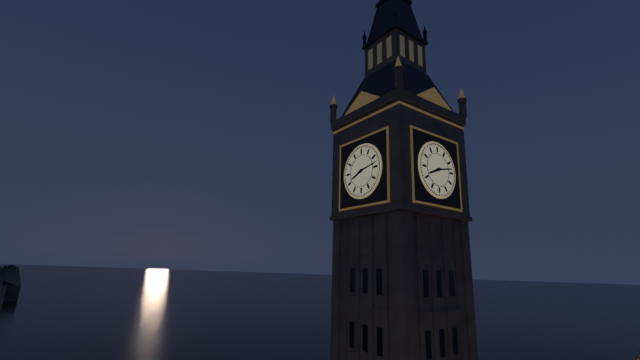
h=8 m=13
